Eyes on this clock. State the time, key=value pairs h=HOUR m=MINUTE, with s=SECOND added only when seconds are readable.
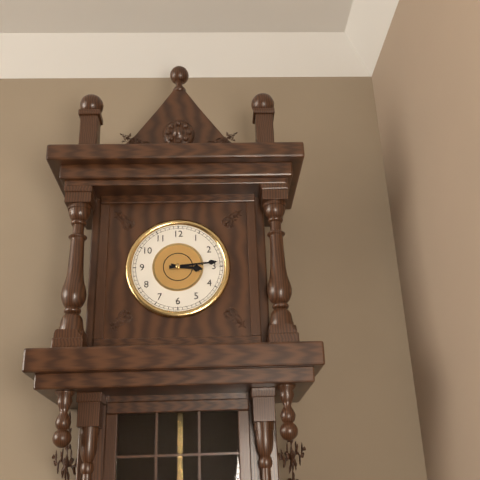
h=3 m=14
